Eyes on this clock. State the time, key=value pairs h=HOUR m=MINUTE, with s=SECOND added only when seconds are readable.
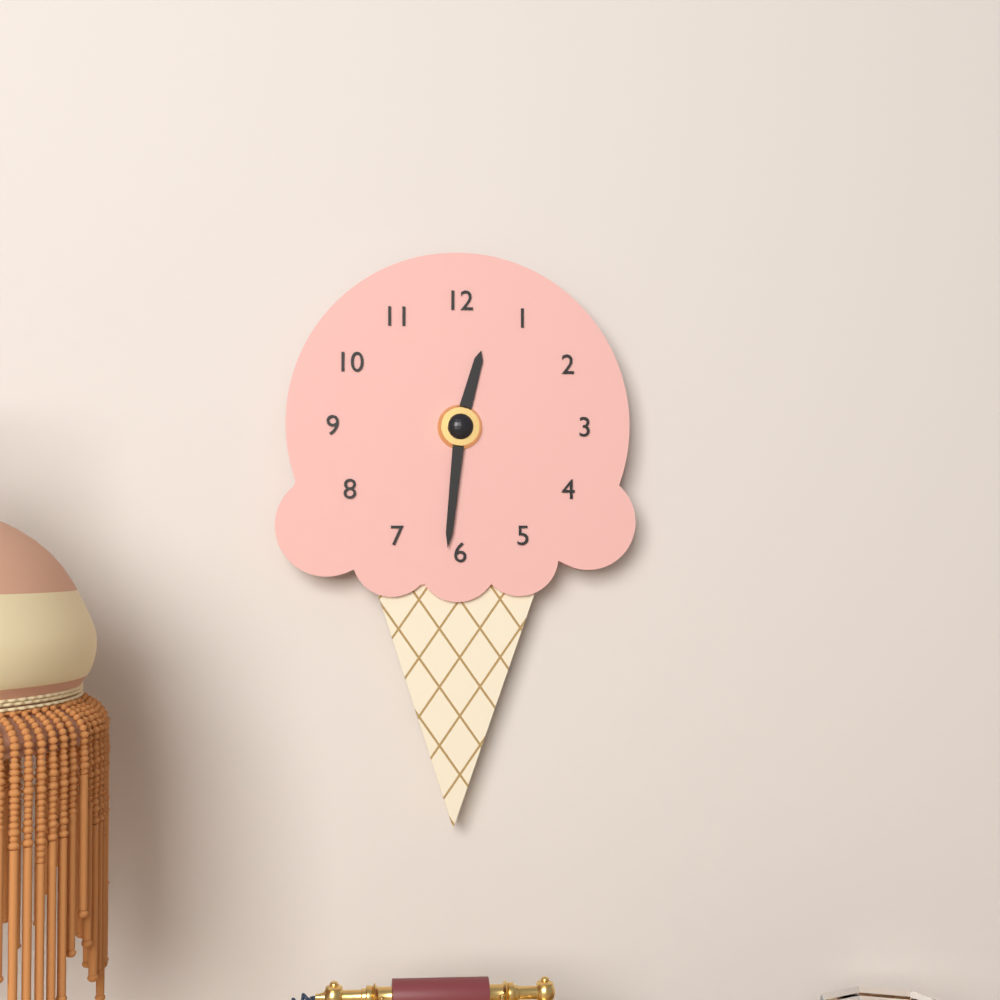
h=12 m=31
